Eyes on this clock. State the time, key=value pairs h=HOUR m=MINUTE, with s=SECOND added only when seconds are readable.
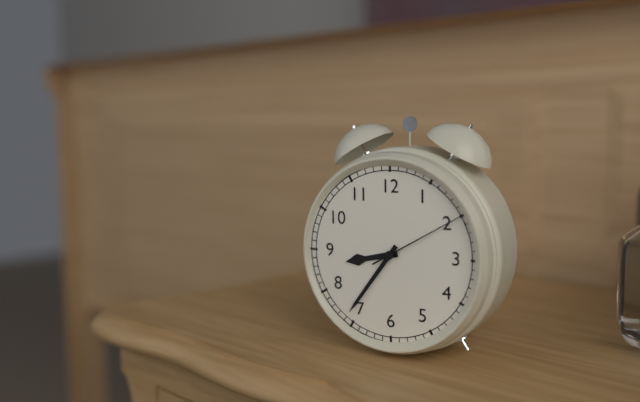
h=8 m=36 s=10
